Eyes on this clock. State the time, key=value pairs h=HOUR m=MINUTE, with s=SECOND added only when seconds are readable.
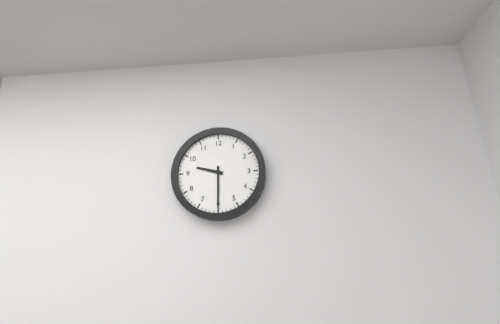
h=9 m=30
